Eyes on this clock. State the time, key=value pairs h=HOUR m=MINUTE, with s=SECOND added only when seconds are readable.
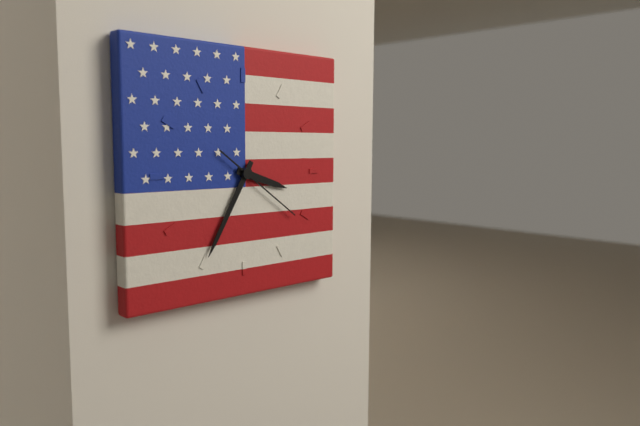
h=3 m=35 s=21
